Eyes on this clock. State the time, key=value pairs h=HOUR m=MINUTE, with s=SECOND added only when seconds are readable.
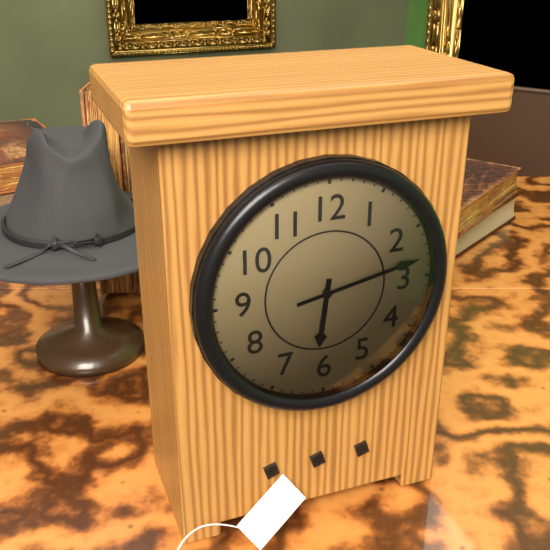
h=6 m=13
